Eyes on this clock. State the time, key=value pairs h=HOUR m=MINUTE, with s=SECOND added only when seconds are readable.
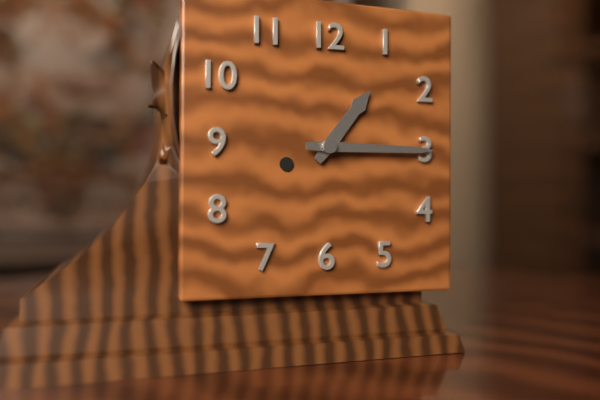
h=1 m=15
